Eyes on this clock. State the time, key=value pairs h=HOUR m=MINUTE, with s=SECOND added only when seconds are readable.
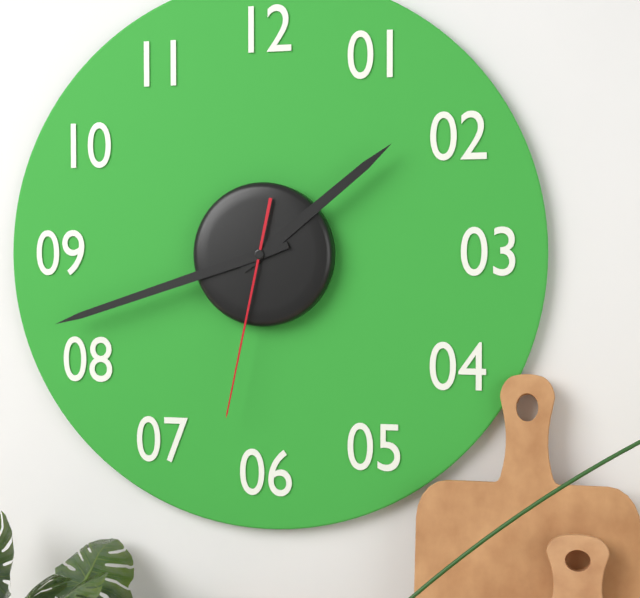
h=1 m=42 s=32
